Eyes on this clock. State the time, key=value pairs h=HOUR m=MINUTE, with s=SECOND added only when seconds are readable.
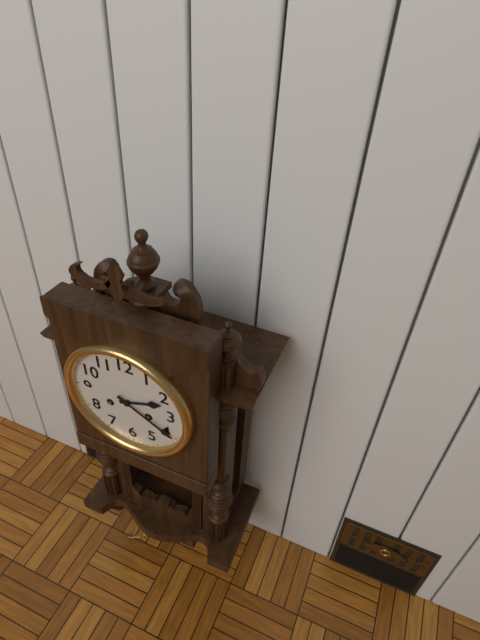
h=2 m=20
